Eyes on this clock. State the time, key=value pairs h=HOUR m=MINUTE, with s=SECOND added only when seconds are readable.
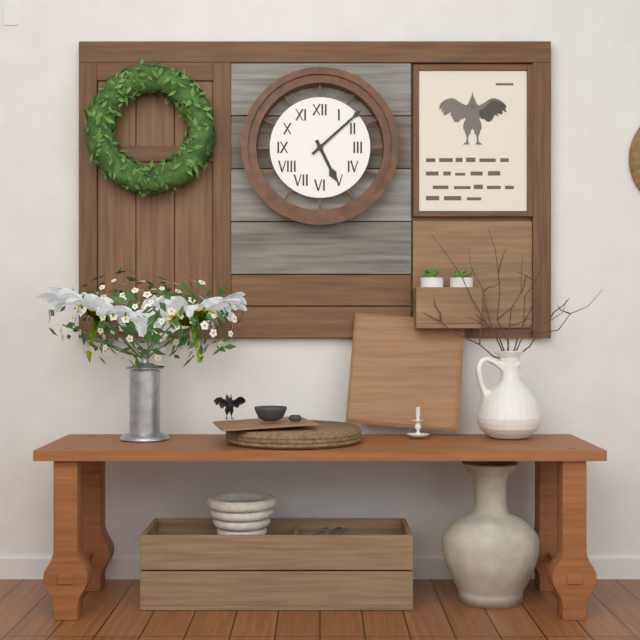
h=5 m=8
